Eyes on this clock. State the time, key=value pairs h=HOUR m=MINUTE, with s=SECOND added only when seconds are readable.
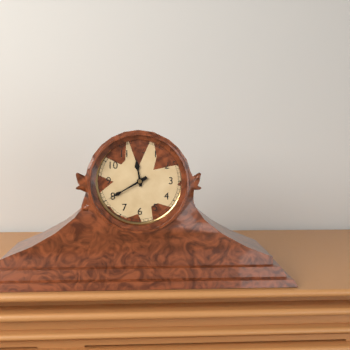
h=11 m=40
